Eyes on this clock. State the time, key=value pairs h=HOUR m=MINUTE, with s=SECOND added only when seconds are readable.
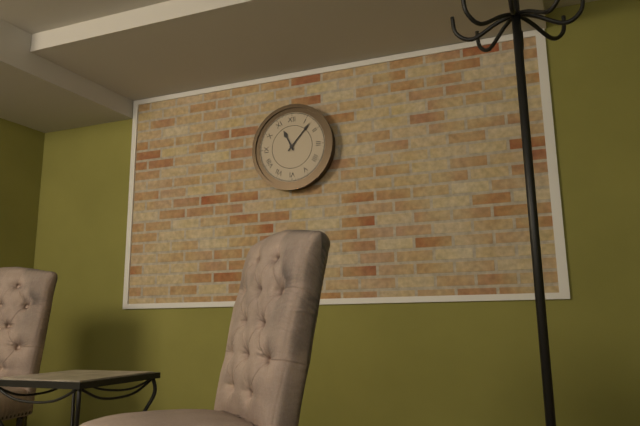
h=11 m=7
